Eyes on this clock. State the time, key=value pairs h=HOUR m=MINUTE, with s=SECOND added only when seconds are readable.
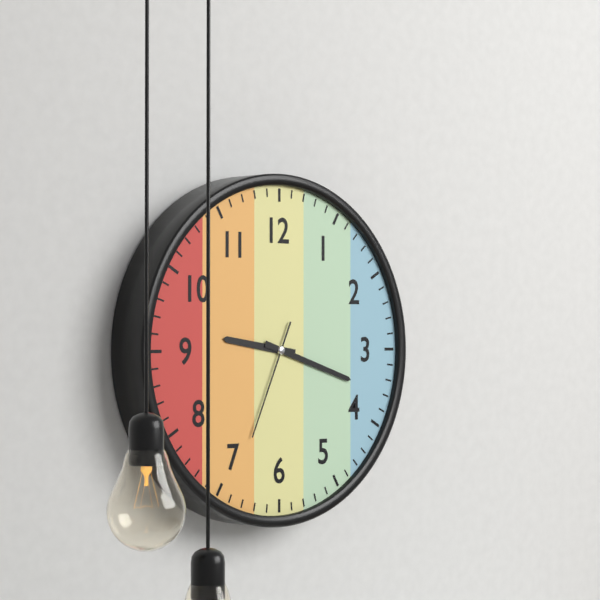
h=9 m=18 s=34
